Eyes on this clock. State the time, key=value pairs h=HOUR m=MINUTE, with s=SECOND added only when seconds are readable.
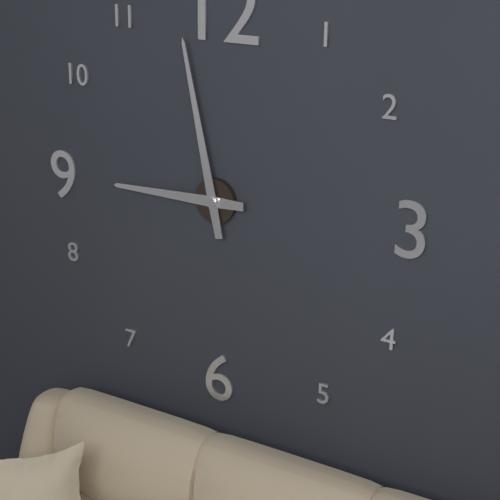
h=8 m=58
